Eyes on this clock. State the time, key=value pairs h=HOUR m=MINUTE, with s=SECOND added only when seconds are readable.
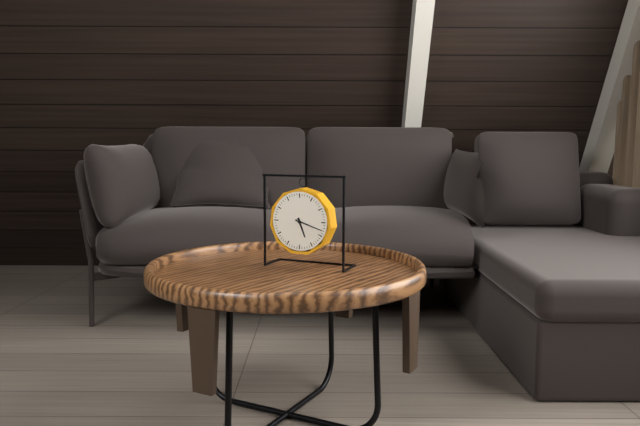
h=5 m=18
